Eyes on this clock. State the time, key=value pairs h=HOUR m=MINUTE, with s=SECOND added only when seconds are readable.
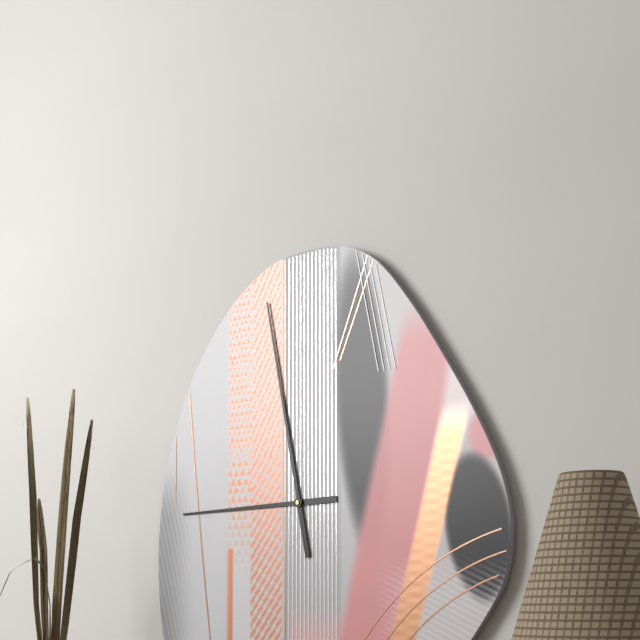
h=8 m=58
